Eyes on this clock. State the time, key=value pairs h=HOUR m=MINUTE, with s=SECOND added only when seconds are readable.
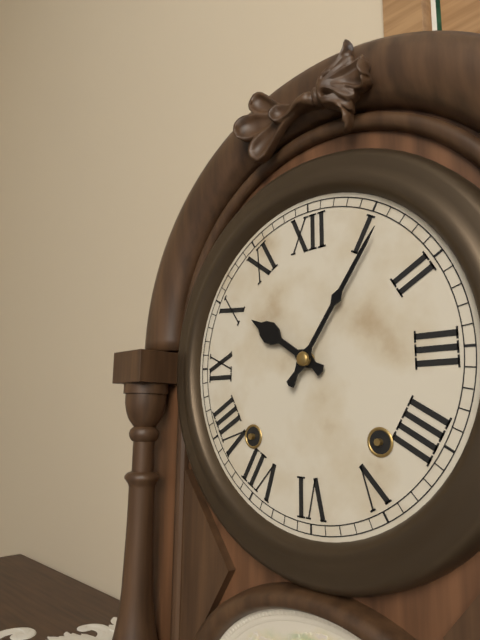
h=10 m=6
